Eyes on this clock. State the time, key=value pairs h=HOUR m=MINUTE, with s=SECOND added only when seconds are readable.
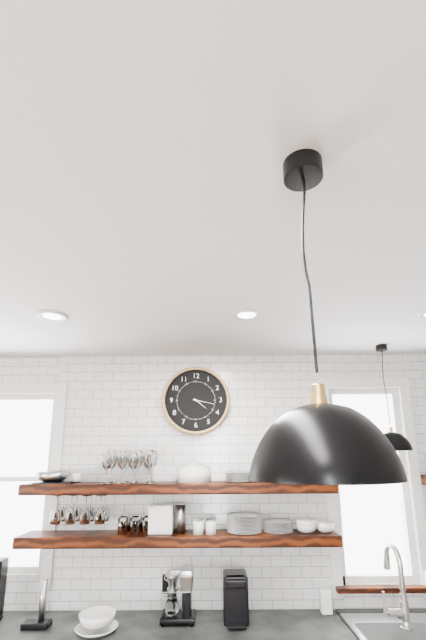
h=4 m=17
